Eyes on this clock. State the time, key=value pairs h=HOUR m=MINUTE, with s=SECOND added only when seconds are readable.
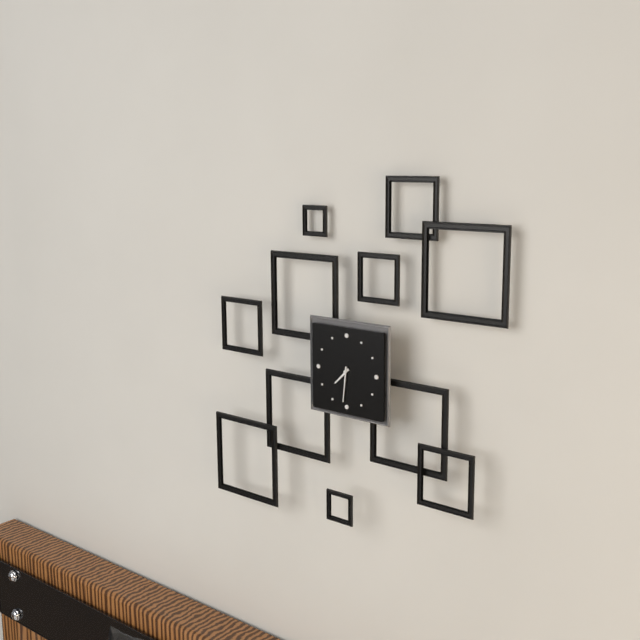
h=7 m=31
